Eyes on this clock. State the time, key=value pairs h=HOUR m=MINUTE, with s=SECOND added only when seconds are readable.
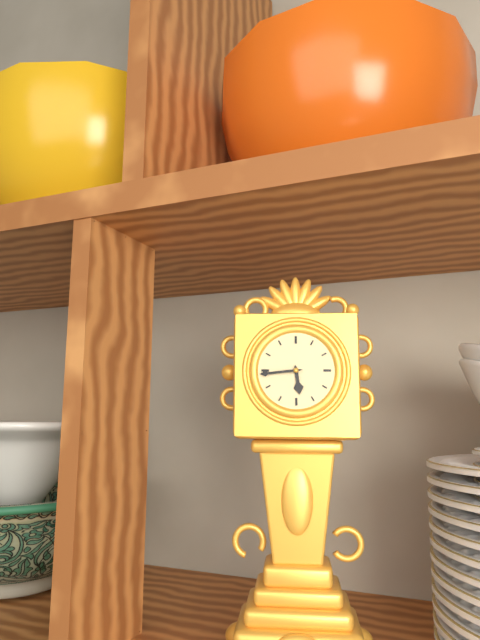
h=5 m=44
